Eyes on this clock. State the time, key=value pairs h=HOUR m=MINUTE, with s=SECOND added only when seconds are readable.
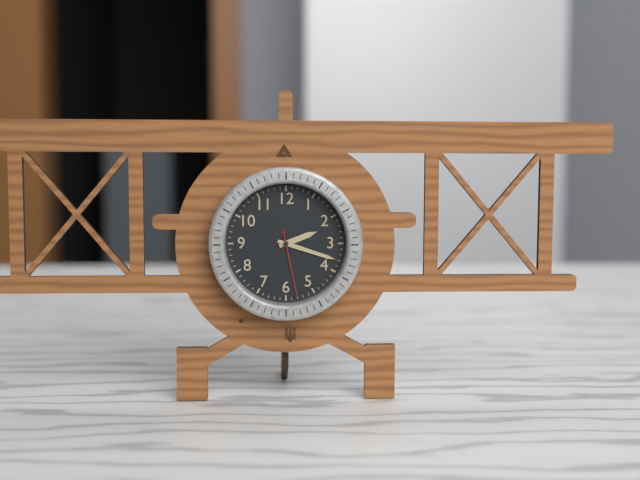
h=2 m=18 s=28
